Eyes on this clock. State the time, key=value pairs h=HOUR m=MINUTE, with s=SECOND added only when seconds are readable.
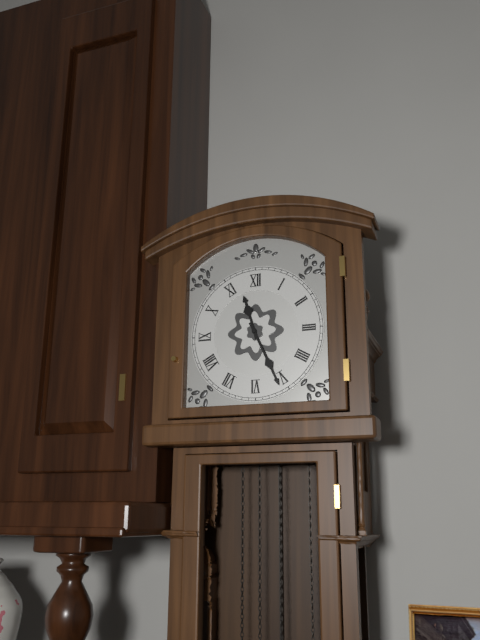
h=11 m=26
